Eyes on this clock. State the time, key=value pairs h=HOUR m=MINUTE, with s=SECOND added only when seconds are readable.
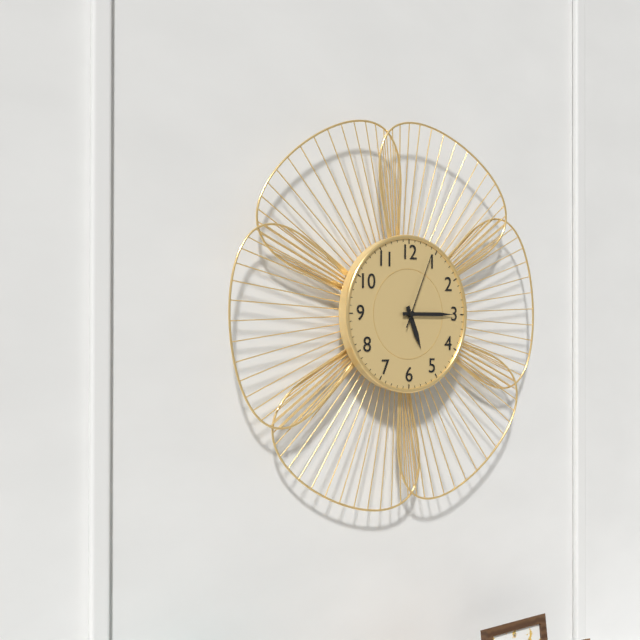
h=5 m=15 s=4
